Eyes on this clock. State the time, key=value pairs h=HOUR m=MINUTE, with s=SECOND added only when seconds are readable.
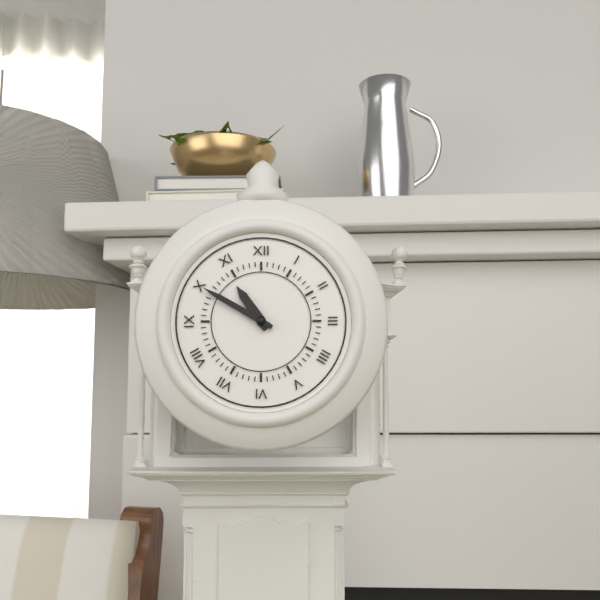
h=10 m=50
